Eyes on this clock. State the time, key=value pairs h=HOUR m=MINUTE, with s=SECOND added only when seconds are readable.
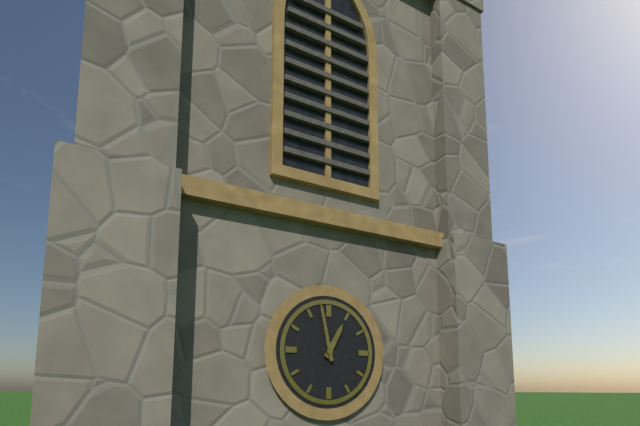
h=12 m=58
